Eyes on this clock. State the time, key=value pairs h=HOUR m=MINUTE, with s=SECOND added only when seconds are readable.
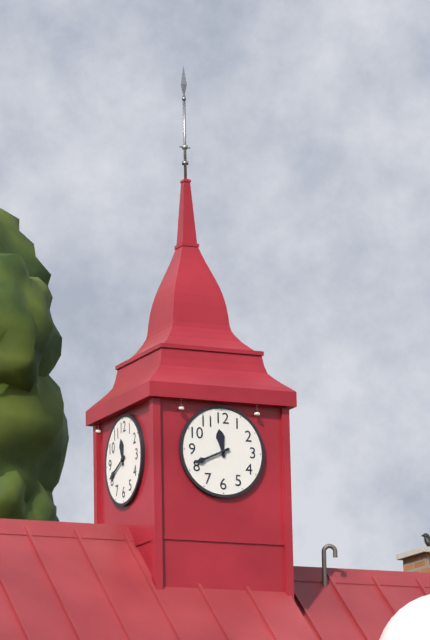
h=11 m=41
